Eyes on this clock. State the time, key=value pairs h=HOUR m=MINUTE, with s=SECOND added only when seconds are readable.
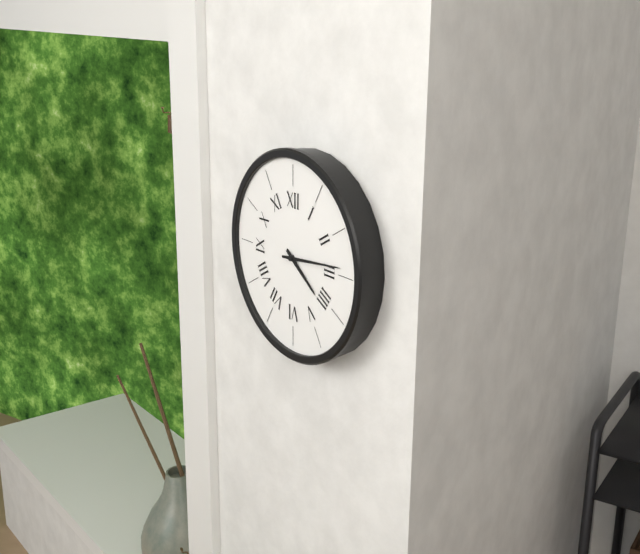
h=4 m=14
